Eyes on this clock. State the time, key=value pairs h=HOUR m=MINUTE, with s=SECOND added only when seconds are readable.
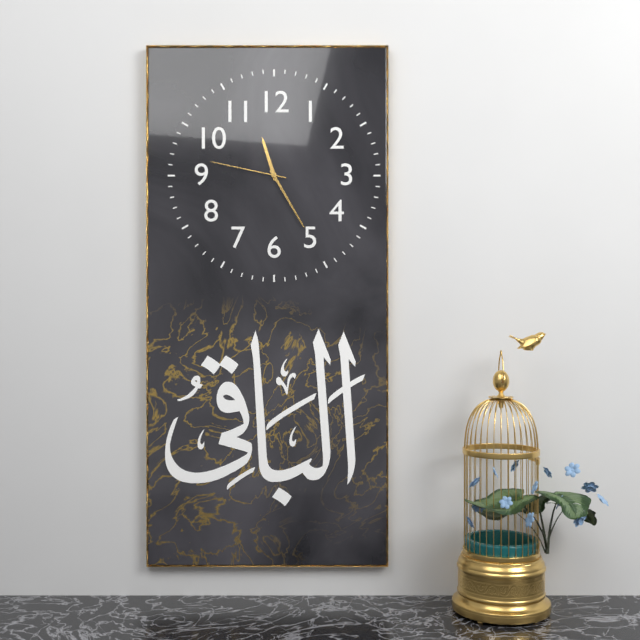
h=11 m=25 s=47
